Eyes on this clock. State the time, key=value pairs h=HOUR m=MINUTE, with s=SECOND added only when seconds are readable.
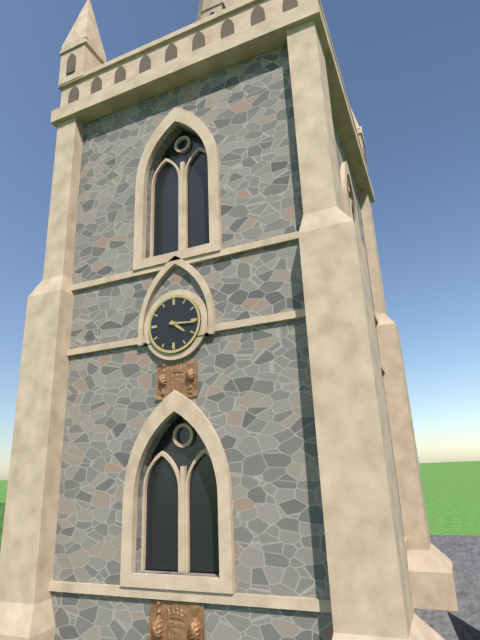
h=4 m=16
